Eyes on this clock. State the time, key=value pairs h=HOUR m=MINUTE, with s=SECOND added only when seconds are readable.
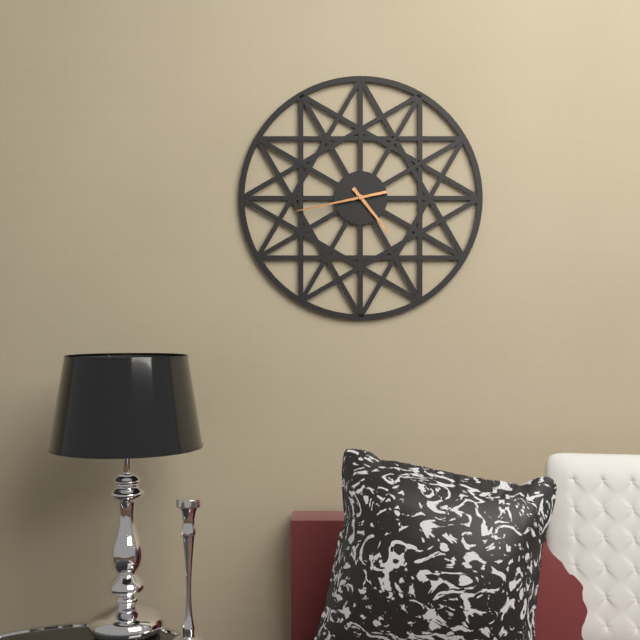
h=4 m=43
